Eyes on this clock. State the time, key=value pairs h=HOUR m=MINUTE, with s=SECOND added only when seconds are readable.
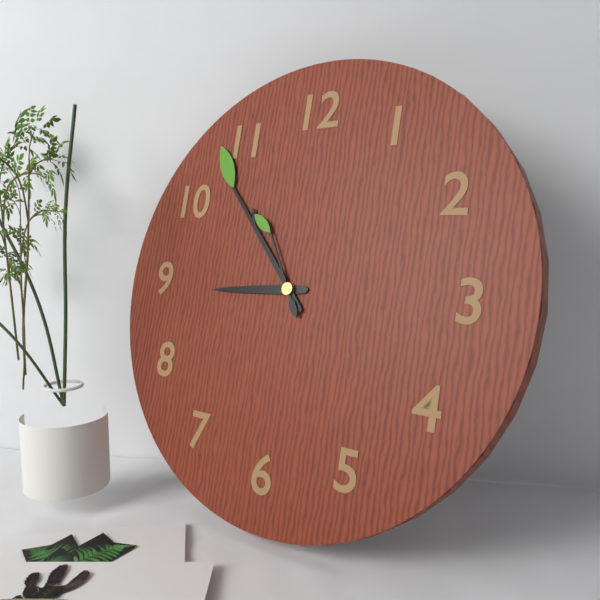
h=8 m=53 s=55
